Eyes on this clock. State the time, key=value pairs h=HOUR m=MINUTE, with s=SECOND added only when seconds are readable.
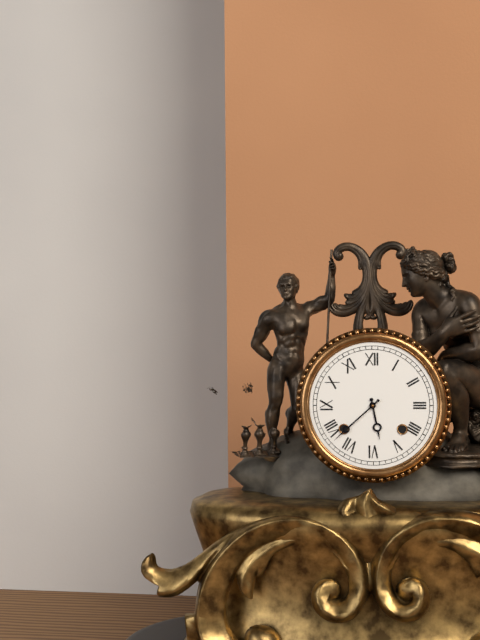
h=5 m=38
